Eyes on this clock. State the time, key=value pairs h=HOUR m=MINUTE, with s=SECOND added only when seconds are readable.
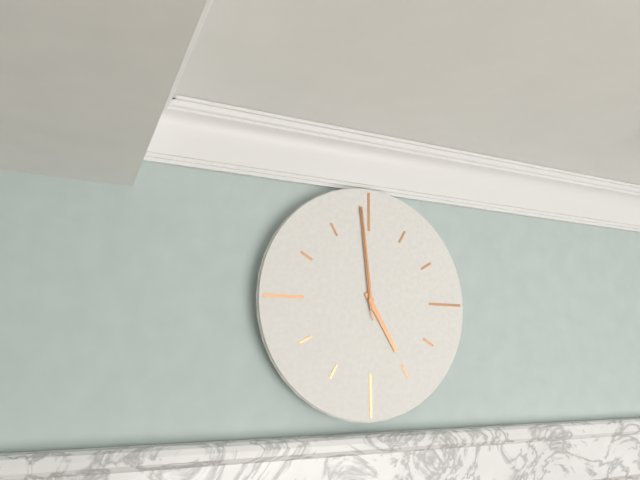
h=4 m=59 s=59
